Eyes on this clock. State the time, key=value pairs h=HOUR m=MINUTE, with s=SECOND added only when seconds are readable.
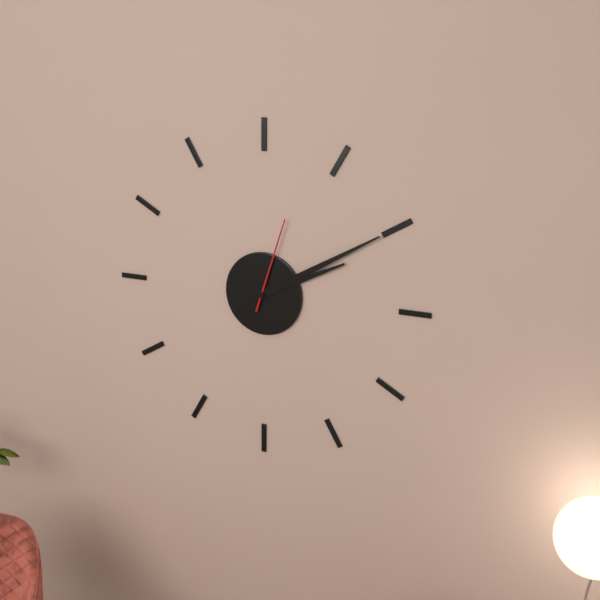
h=2 m=10 s=3
